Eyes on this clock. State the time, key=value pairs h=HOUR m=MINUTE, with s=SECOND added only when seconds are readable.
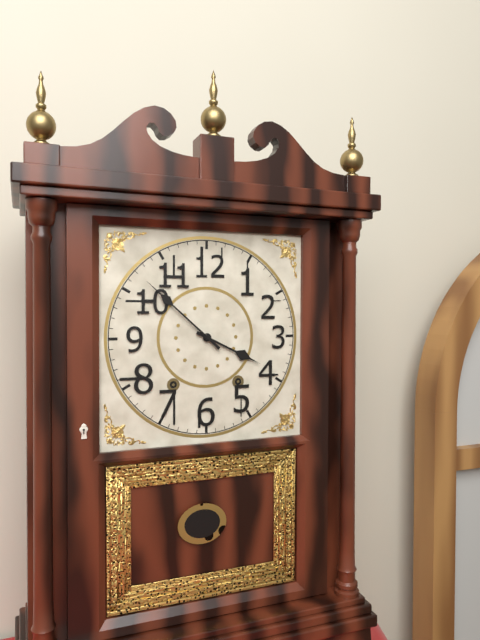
h=3 m=52
